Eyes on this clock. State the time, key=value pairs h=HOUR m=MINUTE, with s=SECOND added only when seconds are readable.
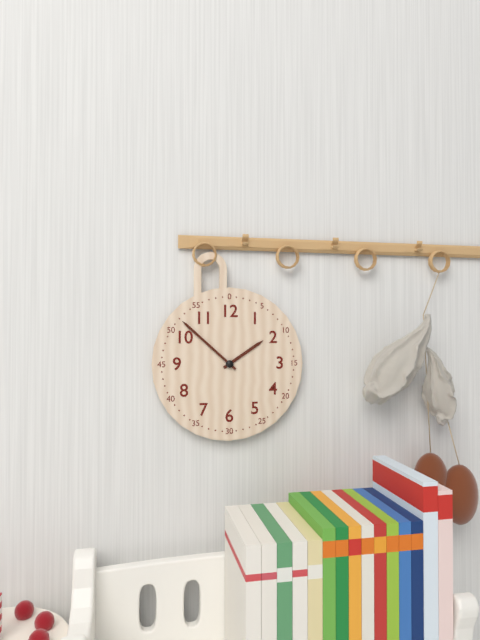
h=1 m=52
